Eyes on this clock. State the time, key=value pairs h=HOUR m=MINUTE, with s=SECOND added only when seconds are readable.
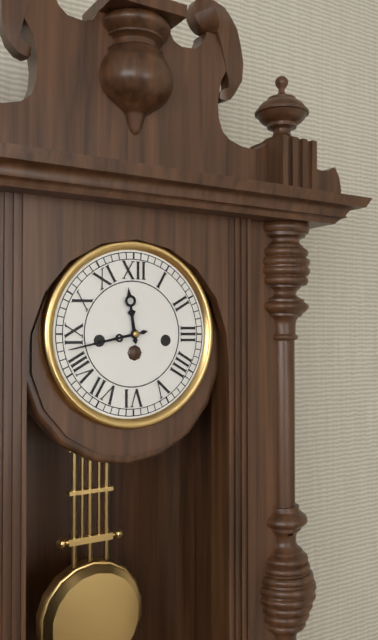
h=11 m=43
